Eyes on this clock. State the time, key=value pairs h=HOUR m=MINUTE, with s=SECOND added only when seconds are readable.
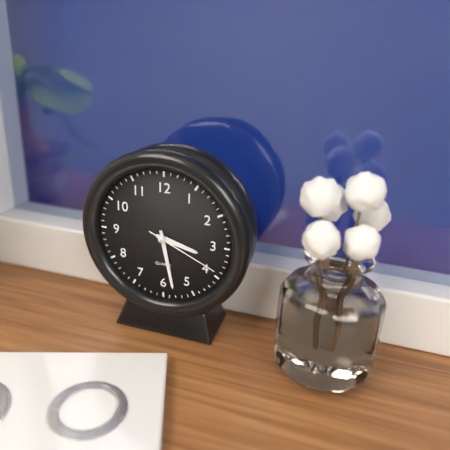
h=3 m=28 s=19
